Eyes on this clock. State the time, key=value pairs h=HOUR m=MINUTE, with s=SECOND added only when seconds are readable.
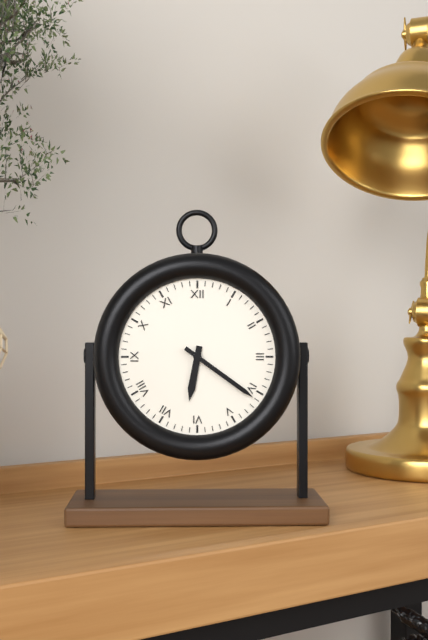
h=6 m=21
